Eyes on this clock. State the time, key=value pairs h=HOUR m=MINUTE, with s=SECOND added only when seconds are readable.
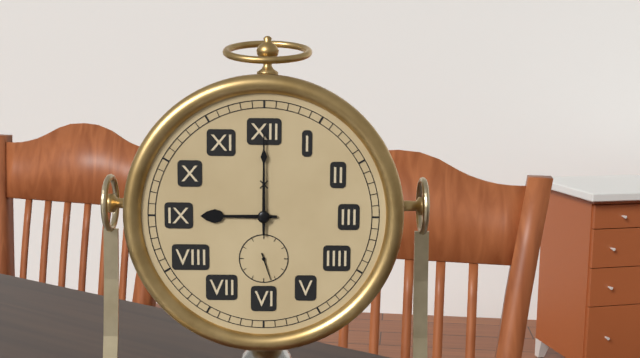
h=9 m=0
